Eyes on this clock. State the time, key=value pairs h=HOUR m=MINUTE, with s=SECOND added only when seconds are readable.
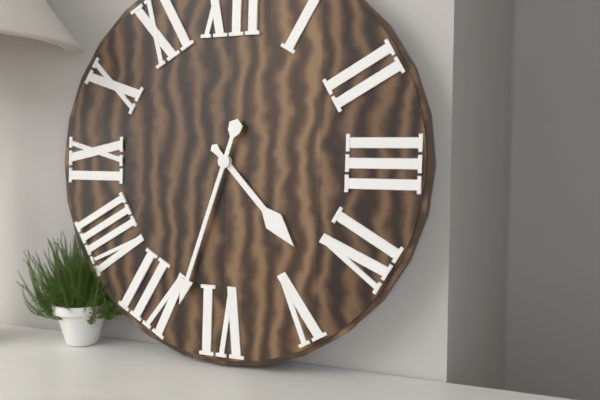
h=4 m=33
